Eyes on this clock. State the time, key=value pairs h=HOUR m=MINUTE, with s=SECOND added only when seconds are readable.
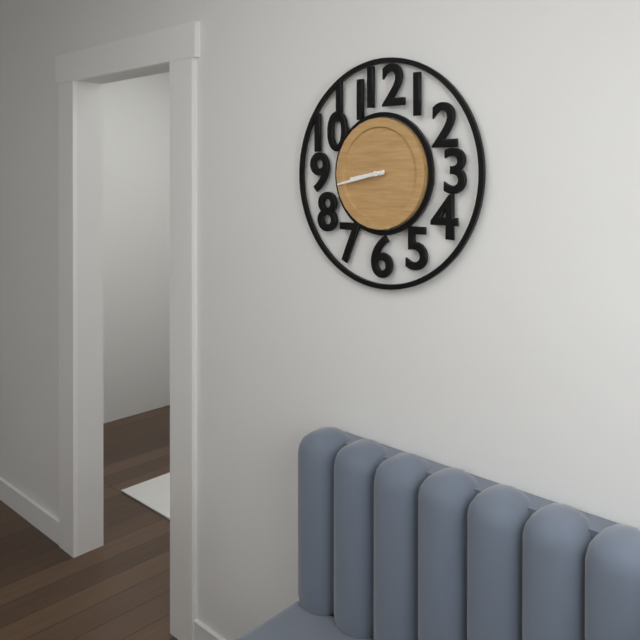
h=8 m=43
